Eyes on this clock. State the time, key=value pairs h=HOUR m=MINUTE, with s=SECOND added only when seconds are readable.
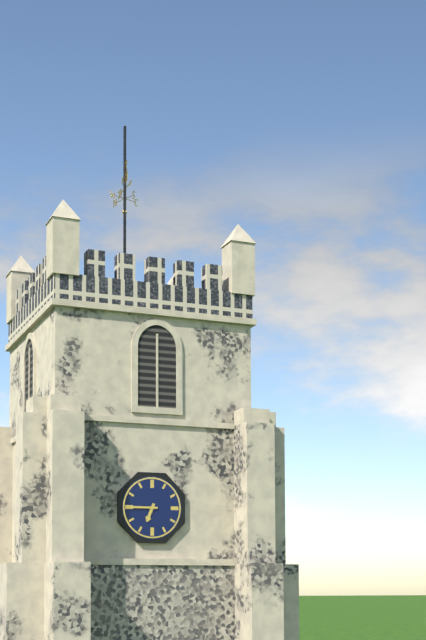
h=6 m=45
